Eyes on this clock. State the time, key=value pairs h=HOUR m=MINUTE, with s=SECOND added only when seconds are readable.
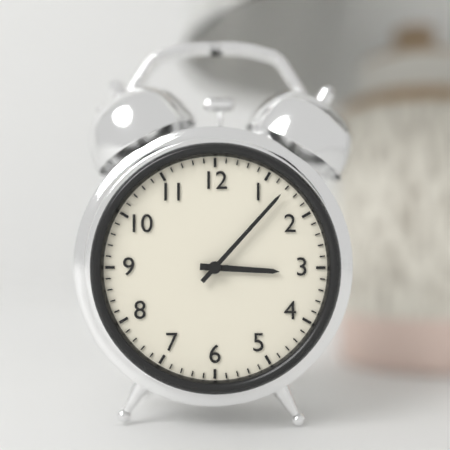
h=3 m=7
